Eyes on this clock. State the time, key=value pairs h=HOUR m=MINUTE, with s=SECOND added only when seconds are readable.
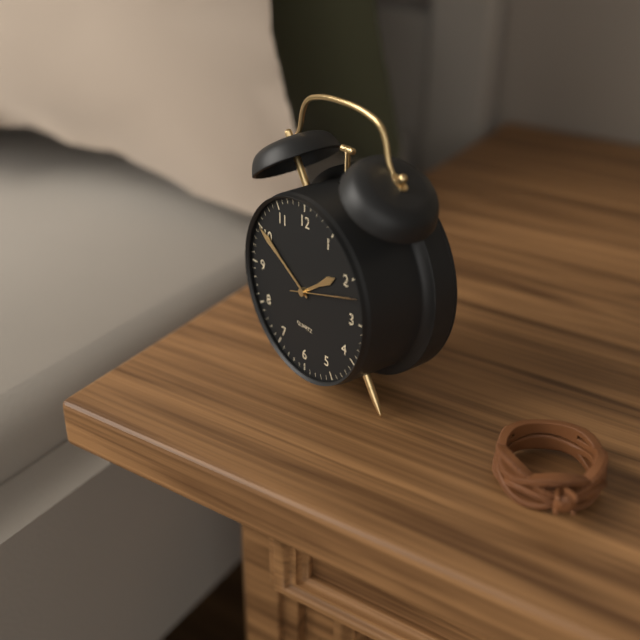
h=1 m=50 s=12
